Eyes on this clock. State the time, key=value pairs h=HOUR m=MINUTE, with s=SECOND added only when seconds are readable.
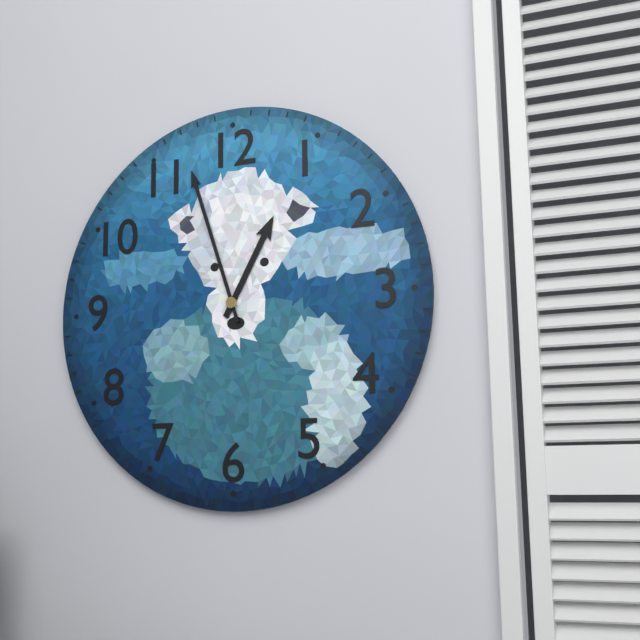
h=12 m=57
